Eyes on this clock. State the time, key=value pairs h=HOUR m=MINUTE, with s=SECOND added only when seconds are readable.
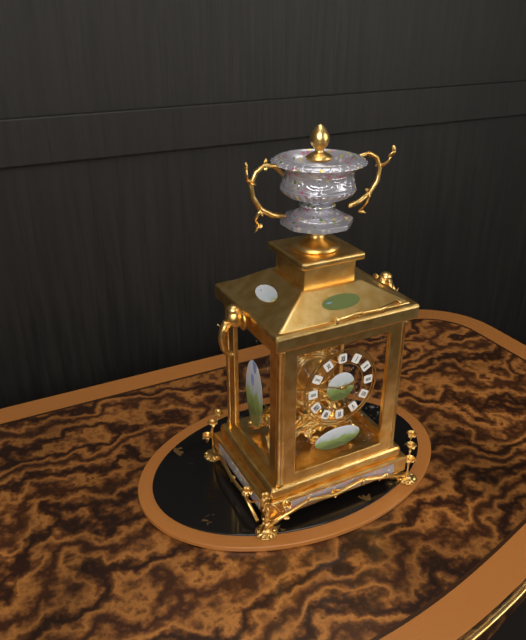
h=2 m=48
